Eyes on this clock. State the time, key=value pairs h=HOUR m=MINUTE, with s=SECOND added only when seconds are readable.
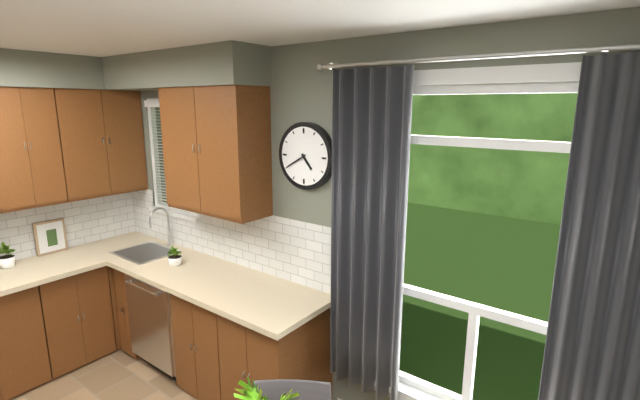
h=4 m=40
